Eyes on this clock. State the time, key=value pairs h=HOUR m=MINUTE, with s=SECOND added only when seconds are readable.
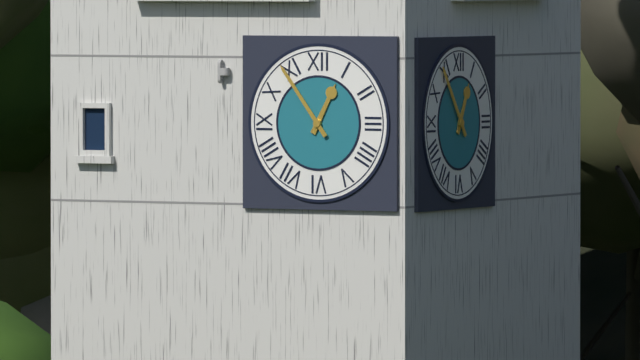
h=12 m=54
